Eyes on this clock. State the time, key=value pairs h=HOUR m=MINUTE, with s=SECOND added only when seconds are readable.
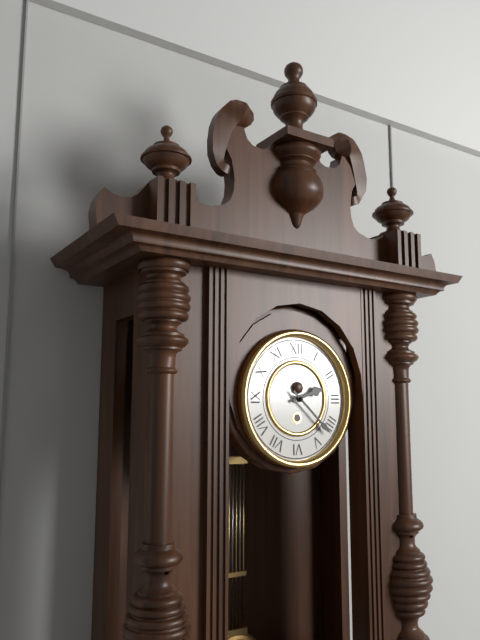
h=2 m=22
